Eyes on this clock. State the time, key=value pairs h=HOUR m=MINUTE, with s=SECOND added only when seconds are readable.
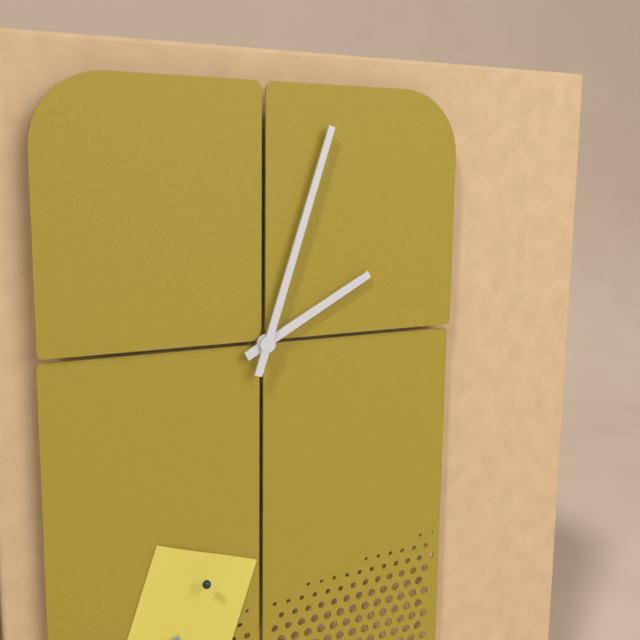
h=2 m=3
